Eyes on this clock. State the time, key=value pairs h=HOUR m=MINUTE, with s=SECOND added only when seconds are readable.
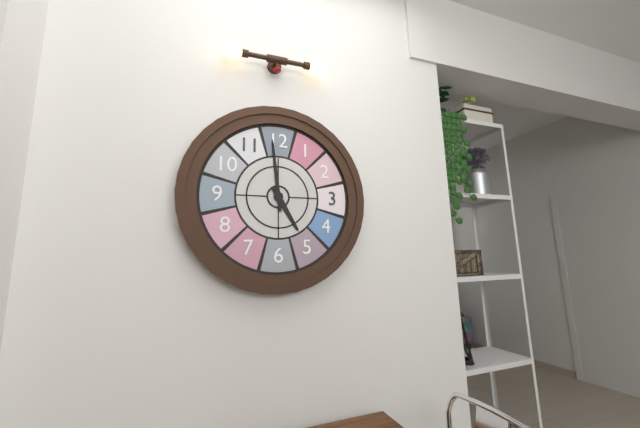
h=4 m=59
